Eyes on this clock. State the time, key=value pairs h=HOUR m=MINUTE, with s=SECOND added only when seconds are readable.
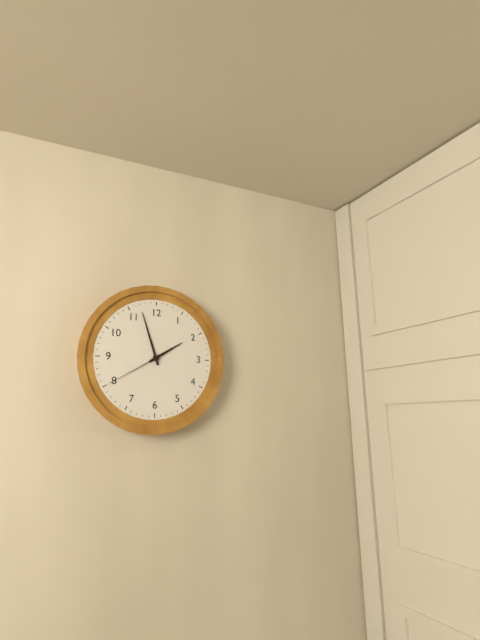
h=1 m=57 s=40
